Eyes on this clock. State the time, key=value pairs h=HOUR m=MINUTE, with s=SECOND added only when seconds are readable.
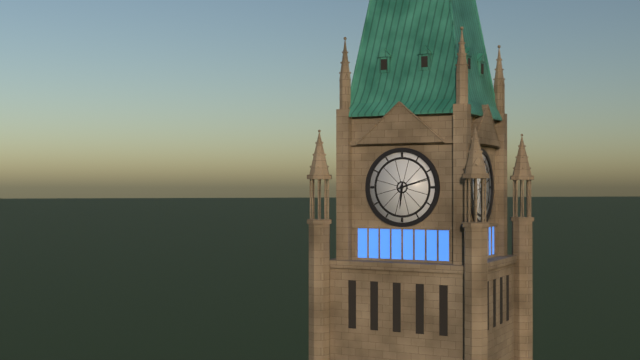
h=6 m=12
